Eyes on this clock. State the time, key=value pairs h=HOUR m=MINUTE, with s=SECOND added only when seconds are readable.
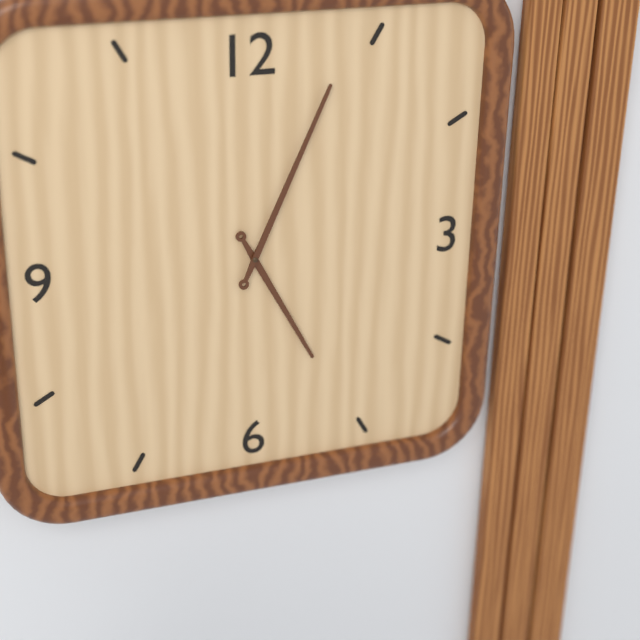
h=5 m=4
